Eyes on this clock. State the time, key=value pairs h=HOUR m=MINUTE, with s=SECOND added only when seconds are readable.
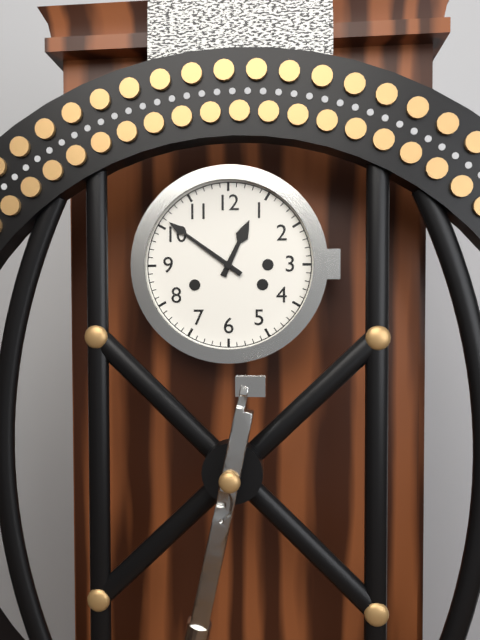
h=12 m=51
